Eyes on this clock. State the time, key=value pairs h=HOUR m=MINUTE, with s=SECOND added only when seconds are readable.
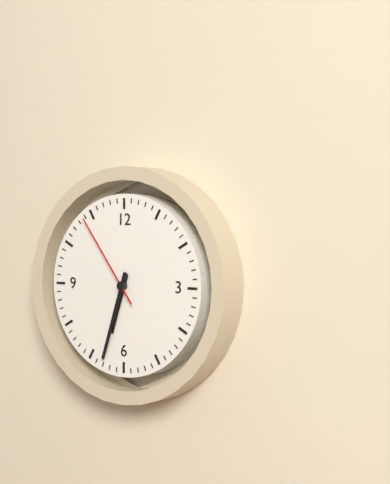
h=6 m=33 s=54
